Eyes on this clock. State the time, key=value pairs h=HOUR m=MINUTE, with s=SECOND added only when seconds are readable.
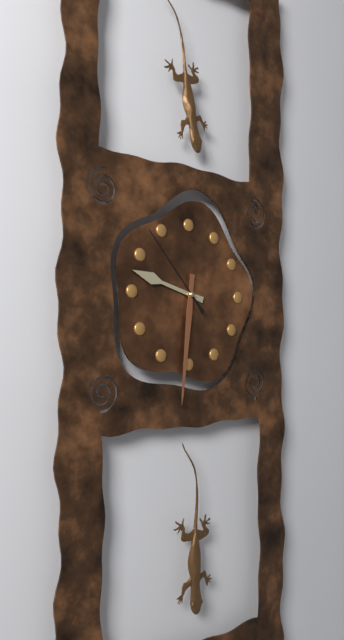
h=9 m=31 s=53
